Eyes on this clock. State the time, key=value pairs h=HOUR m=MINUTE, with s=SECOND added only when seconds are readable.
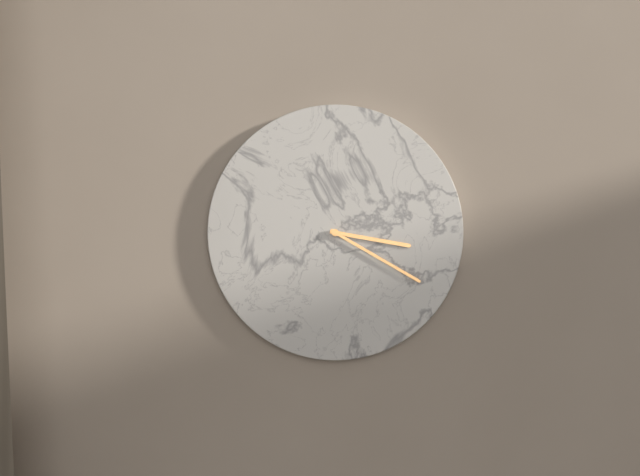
h=3 m=20
